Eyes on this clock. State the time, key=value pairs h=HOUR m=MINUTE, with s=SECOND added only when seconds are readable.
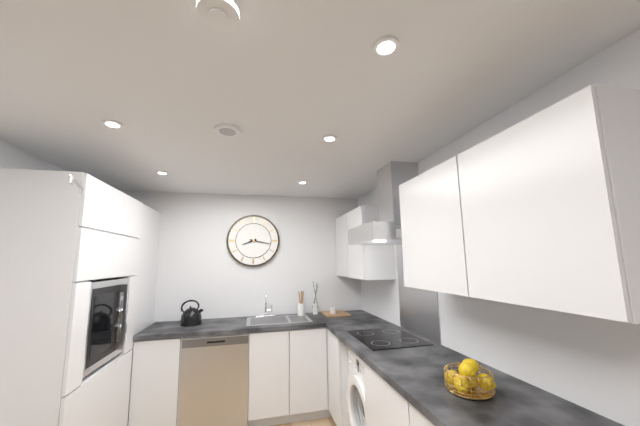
h=8 m=17
